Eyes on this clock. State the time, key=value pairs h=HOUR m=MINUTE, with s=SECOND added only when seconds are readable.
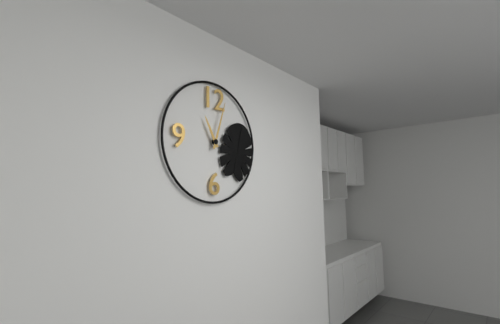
h=11 m=3
